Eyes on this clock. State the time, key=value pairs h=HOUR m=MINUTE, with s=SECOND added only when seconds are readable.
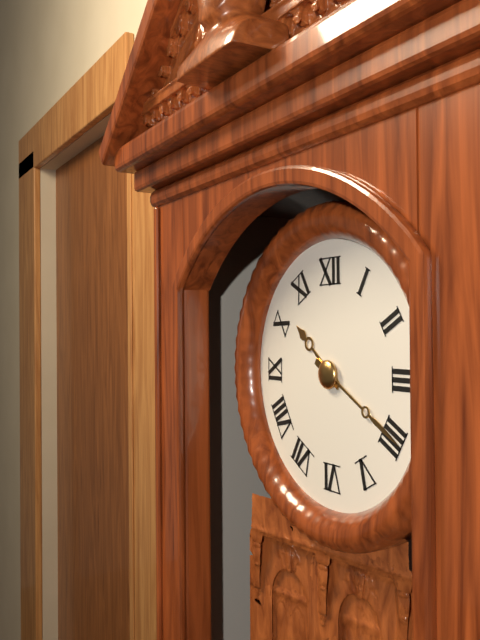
h=10 m=20
